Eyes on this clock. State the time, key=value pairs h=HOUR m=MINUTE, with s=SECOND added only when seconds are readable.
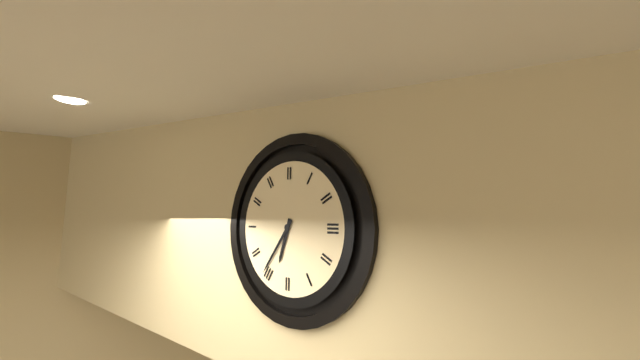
h=6 m=36
